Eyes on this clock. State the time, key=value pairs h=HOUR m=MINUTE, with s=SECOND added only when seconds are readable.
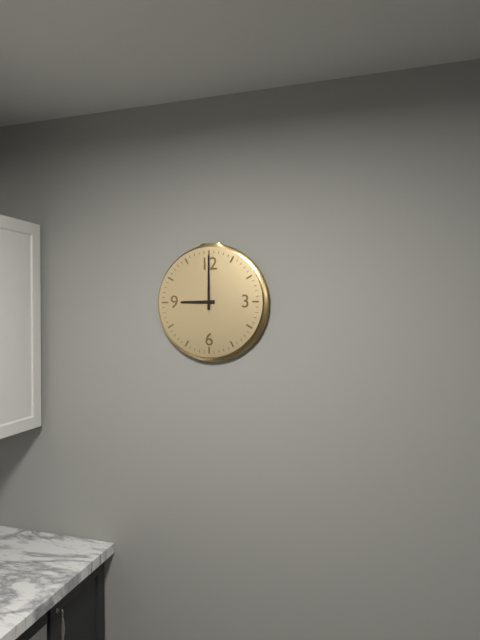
h=9 m=0
